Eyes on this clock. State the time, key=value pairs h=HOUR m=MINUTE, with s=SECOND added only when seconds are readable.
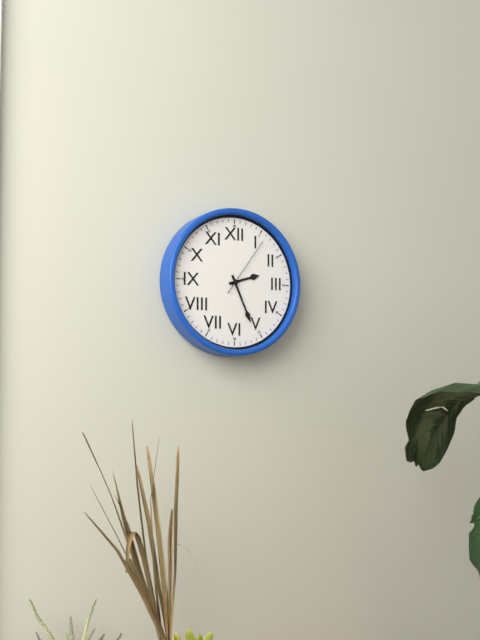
h=2 m=26 s=6
